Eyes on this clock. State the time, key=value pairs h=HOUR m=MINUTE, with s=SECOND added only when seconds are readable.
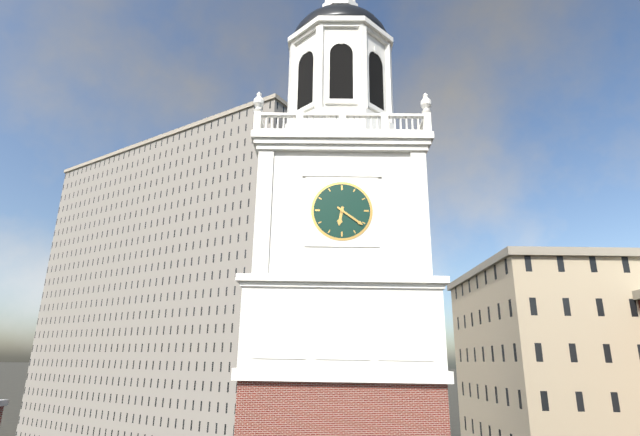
h=6 m=21
